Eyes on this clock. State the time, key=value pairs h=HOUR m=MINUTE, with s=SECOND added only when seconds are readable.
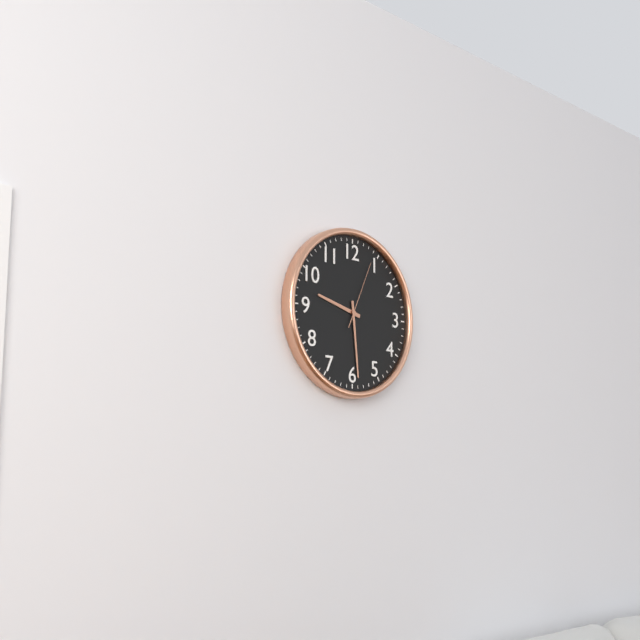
h=9 m=29 s=4
